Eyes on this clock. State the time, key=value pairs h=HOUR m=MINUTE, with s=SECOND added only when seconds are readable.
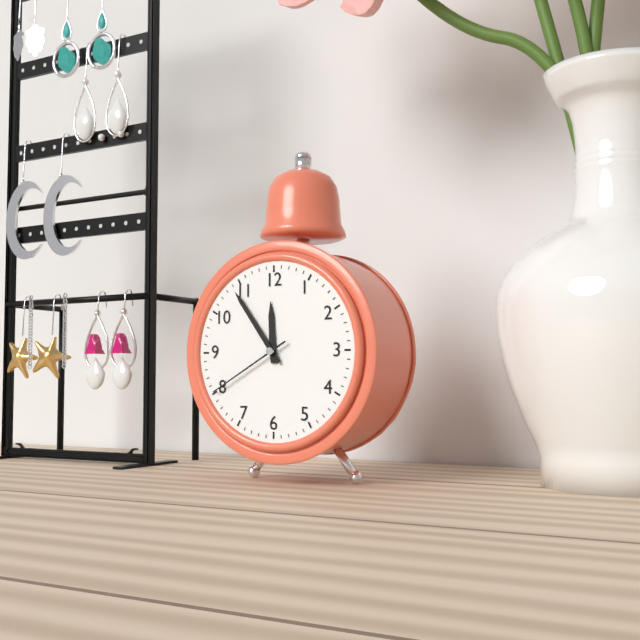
h=11 m=54 s=40
